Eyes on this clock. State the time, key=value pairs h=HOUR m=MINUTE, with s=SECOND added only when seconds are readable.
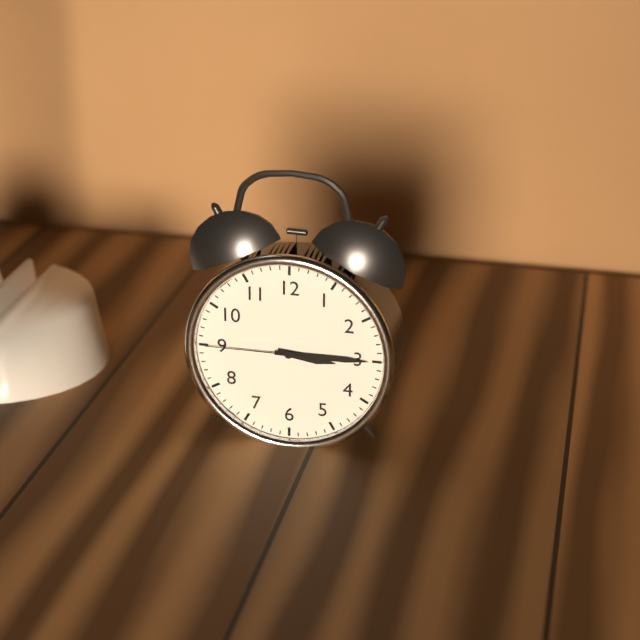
h=3 m=15 s=45
